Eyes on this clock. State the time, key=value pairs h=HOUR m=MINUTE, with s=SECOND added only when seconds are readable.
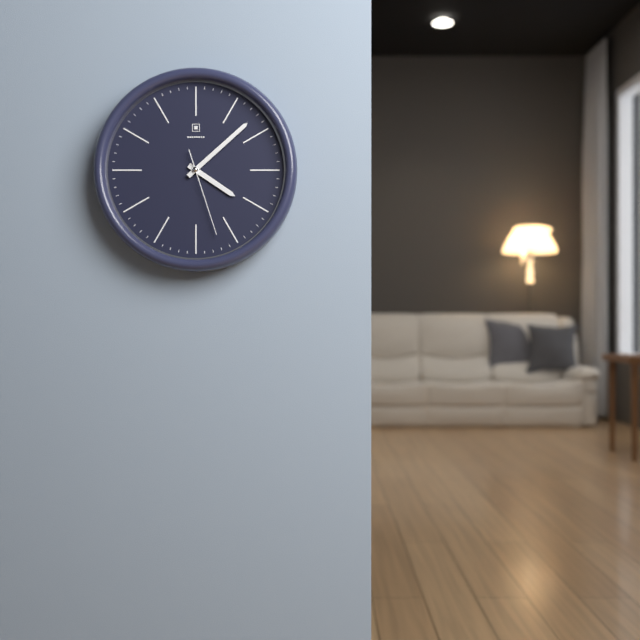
h=4 m=8 s=27
